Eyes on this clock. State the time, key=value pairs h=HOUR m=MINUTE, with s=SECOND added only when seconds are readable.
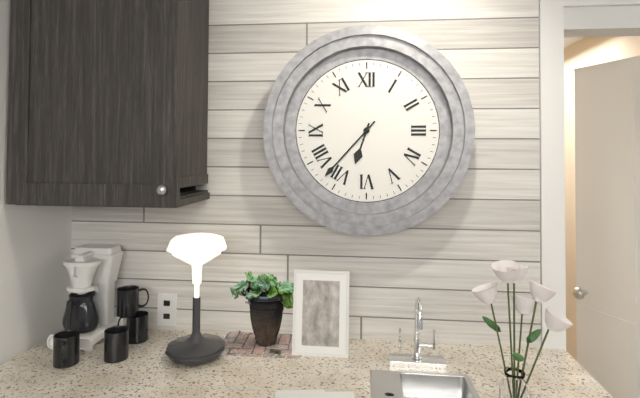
h=6 m=37
